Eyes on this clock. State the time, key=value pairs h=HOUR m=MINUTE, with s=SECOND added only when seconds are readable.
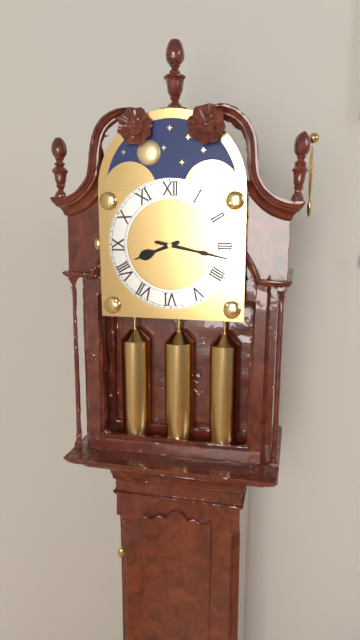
h=8 m=17
